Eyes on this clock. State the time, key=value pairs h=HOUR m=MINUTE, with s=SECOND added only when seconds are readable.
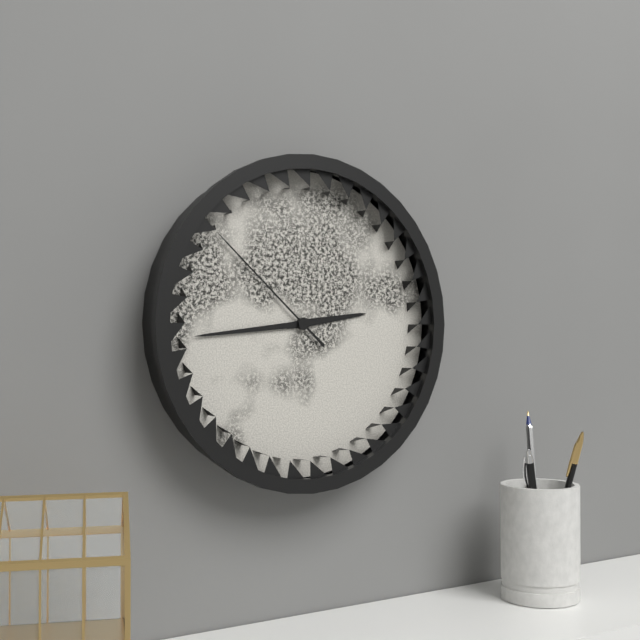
h=2 m=44 s=52
